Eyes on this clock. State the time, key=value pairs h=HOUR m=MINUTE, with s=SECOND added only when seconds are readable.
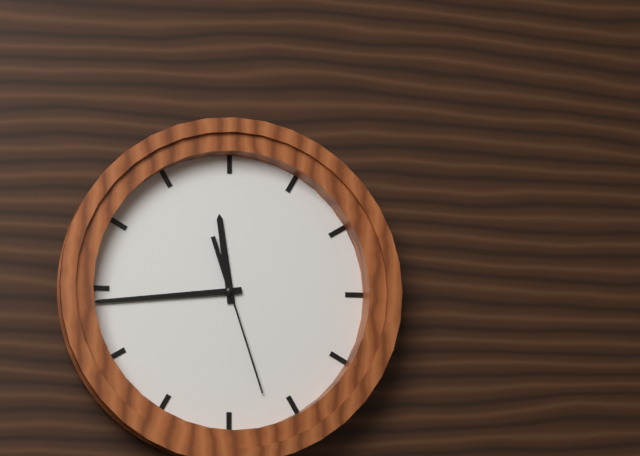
h=11 m=44 s=27
